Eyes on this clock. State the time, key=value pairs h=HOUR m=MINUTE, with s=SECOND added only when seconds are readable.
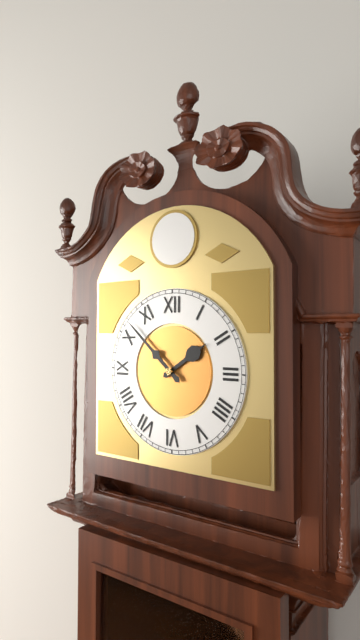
h=1 m=52
